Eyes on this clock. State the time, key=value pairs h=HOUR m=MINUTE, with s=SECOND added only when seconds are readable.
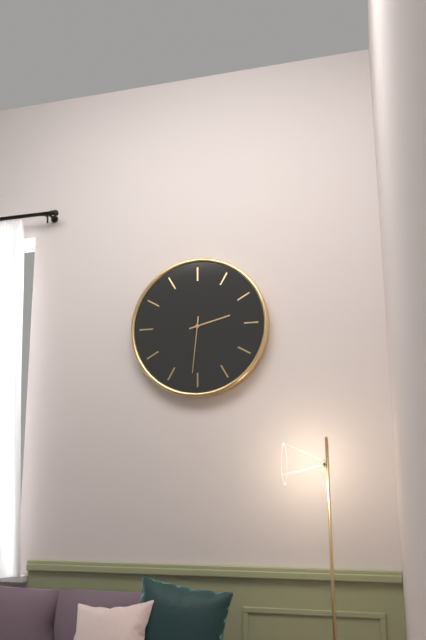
h=2 m=31
